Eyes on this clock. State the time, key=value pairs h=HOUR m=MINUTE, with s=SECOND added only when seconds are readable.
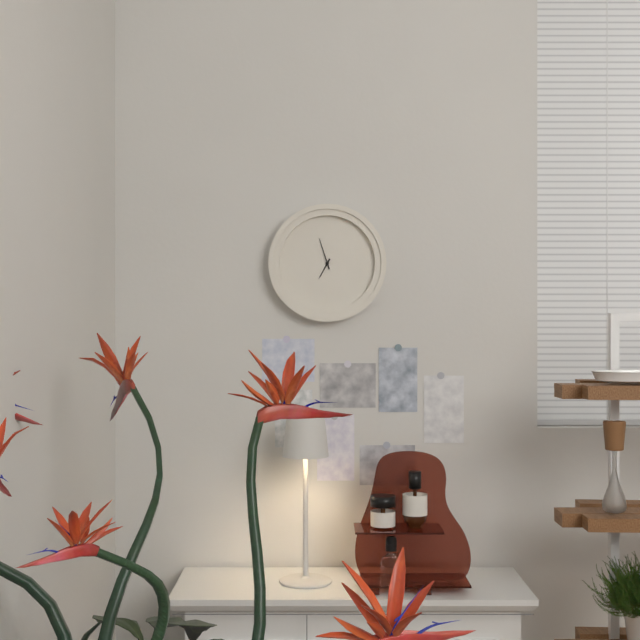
h=6 m=57
